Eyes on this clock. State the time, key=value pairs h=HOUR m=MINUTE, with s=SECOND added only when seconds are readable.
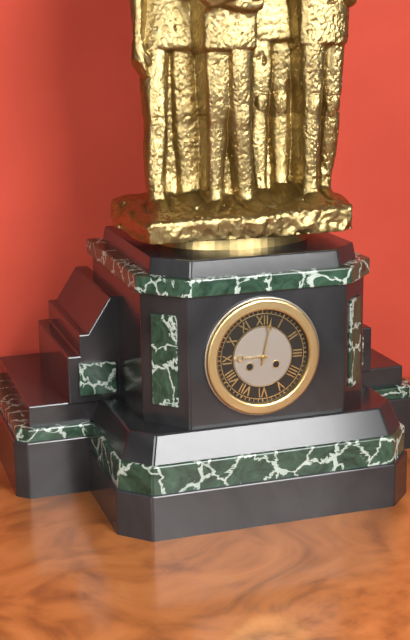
h=9 m=2
